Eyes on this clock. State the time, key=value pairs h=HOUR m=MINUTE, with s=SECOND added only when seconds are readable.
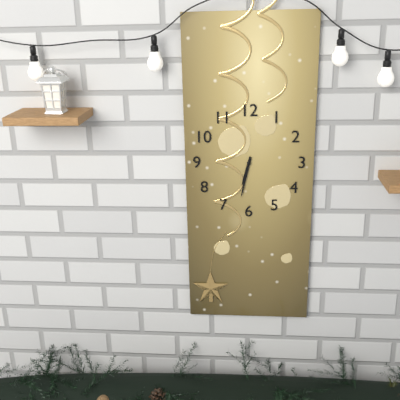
h=6 m=32
